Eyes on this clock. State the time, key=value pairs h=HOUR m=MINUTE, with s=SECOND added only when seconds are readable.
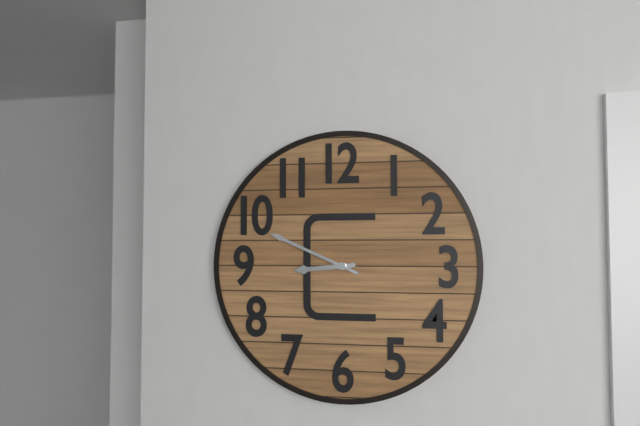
h=8 m=49
